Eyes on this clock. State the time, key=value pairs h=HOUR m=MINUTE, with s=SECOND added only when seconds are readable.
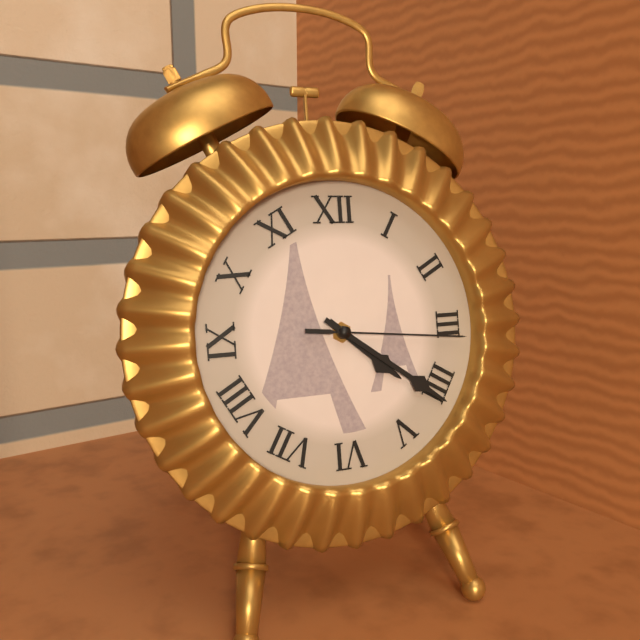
h=4 m=21 s=16
